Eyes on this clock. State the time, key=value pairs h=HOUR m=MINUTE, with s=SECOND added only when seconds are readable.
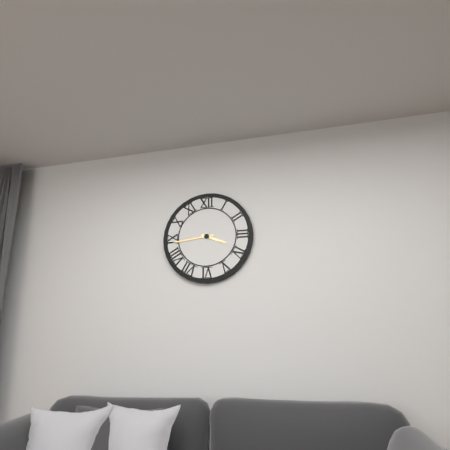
h=3 m=44
